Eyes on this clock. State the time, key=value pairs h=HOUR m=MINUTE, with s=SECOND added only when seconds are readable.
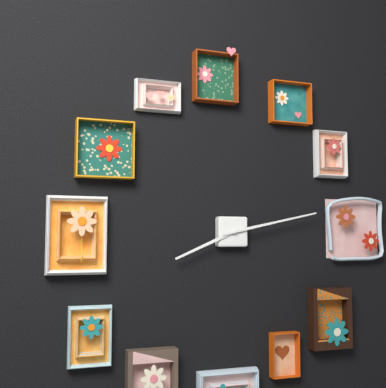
h=8 m=13
